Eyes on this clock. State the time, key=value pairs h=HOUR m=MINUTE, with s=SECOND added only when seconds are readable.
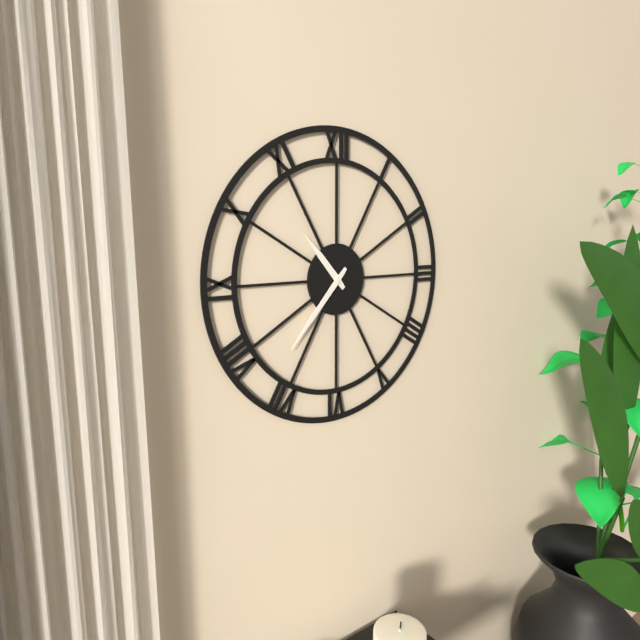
h=10 m=37
